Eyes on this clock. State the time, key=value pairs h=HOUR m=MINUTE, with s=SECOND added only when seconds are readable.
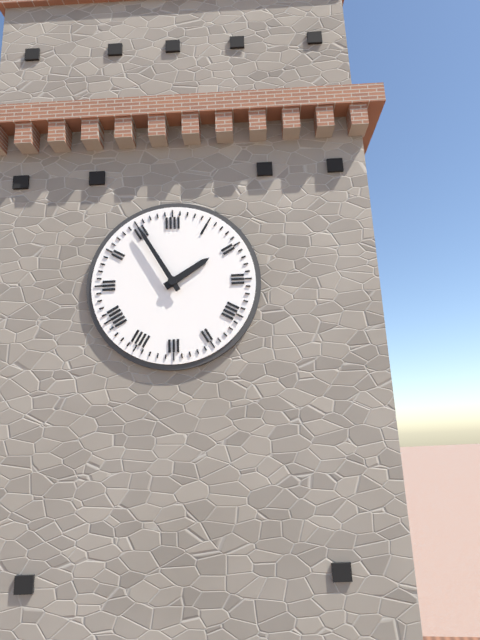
h=1 m=55
